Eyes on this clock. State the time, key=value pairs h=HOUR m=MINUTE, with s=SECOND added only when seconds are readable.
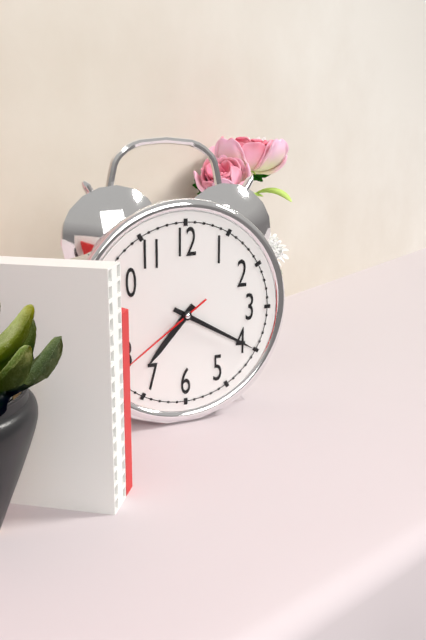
h=7 m=20 s=39
